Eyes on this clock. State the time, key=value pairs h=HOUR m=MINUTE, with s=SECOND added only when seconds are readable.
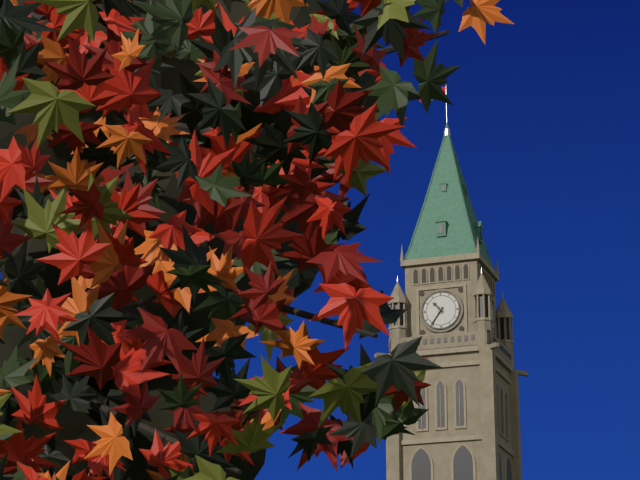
h=10 m=36
